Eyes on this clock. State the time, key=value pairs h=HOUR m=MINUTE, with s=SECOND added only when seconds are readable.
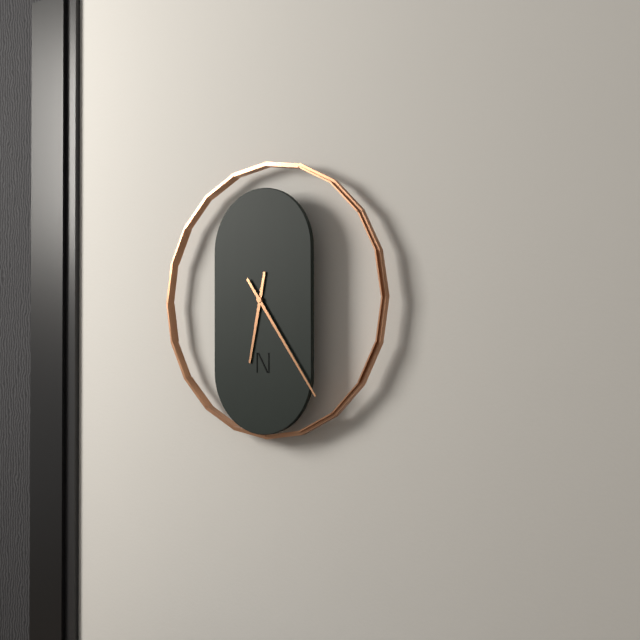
h=6 m=24
